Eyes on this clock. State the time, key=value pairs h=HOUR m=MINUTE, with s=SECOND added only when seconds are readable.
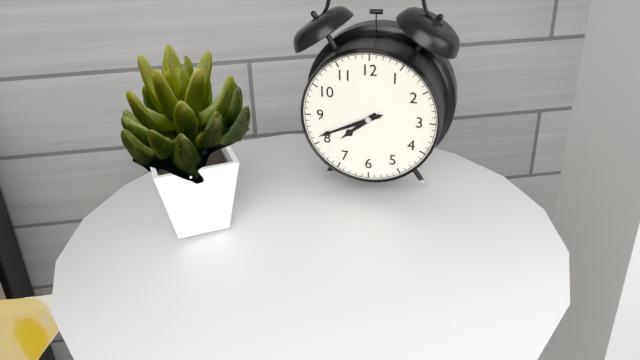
h=7 m=41 s=41
